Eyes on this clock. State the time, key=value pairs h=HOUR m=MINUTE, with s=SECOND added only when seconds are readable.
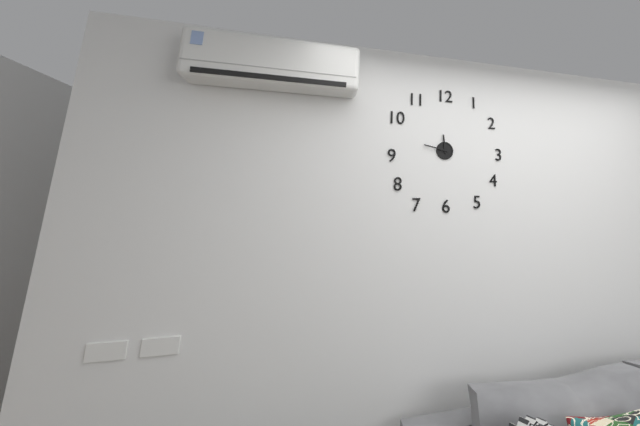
h=11 m=47
